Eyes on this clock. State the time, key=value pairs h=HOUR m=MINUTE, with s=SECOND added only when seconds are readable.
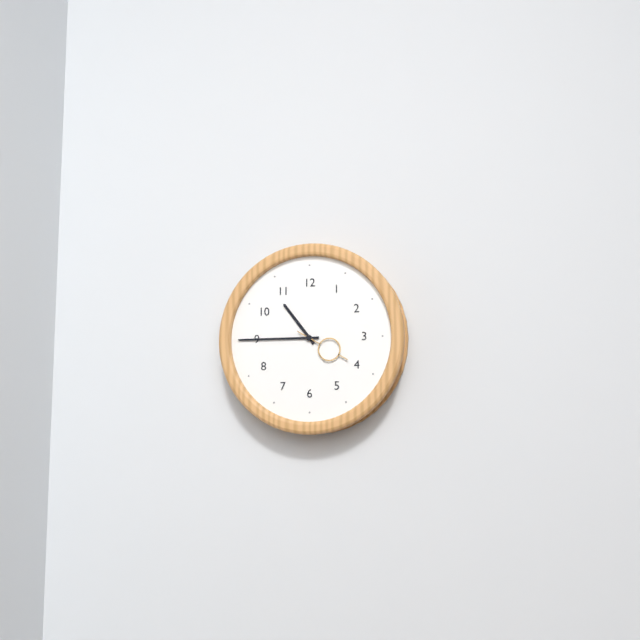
h=10 m=45 s=20
